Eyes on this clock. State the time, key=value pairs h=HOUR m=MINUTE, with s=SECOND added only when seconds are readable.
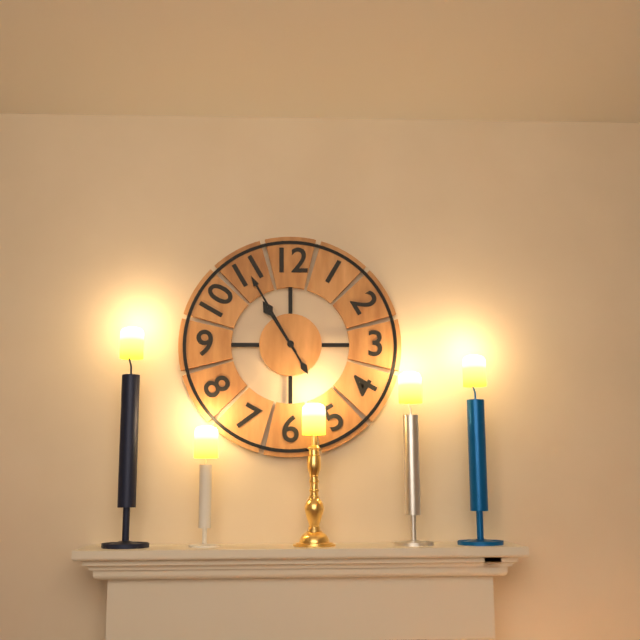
h=10 m=55
